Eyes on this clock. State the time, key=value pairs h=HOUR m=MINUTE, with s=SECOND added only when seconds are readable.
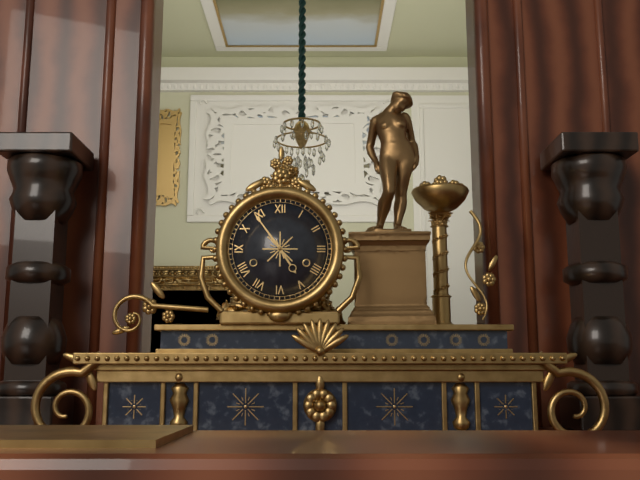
h=4 m=54
